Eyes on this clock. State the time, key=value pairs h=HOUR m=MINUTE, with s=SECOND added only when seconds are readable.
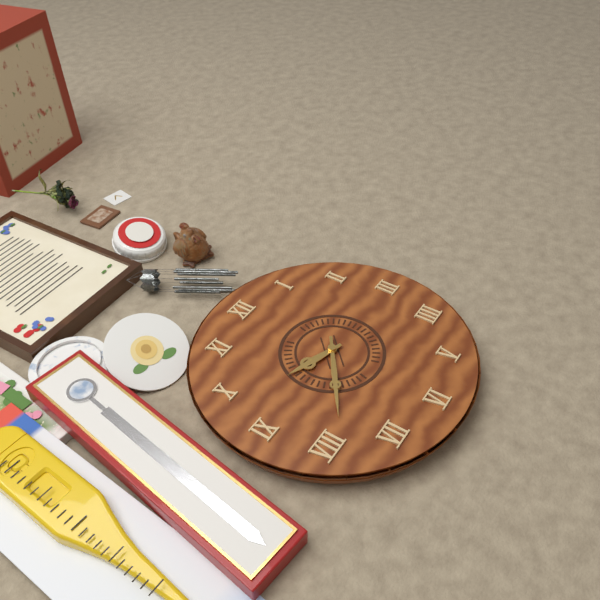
h=9 m=39
